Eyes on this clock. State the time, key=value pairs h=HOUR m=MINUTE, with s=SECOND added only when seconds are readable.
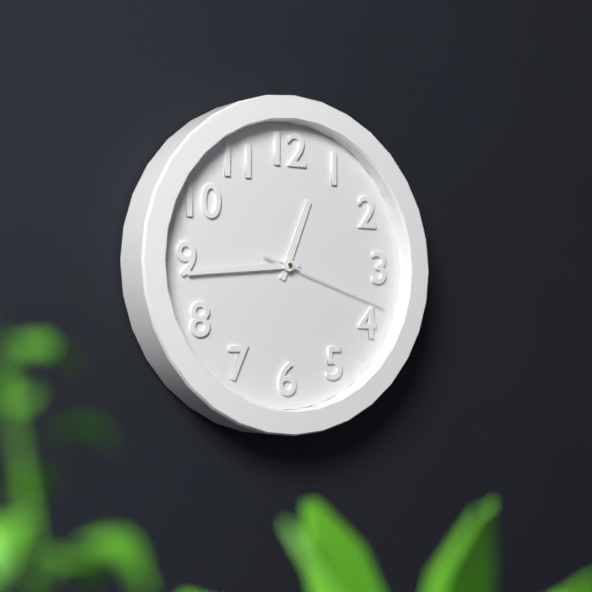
h=12 m=44 s=18
